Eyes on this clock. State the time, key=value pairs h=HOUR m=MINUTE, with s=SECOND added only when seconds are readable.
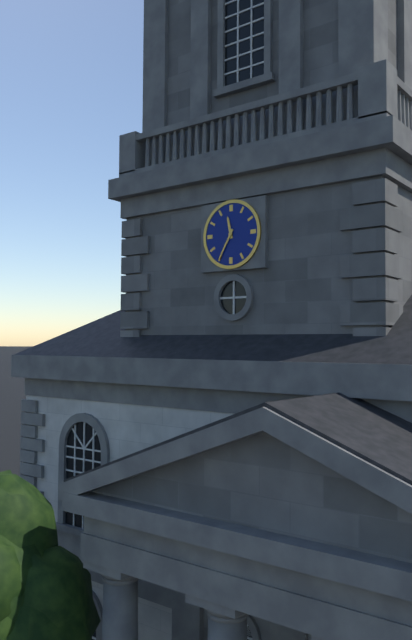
h=11 m=35
